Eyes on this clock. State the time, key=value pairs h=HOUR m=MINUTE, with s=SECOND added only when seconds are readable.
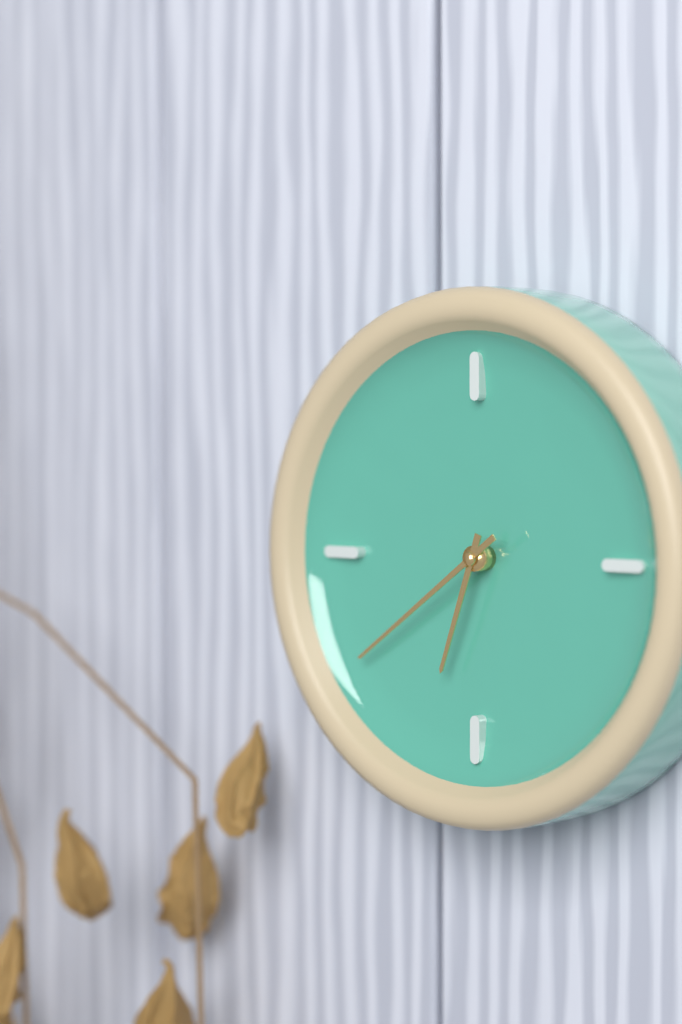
h=6 m=39
